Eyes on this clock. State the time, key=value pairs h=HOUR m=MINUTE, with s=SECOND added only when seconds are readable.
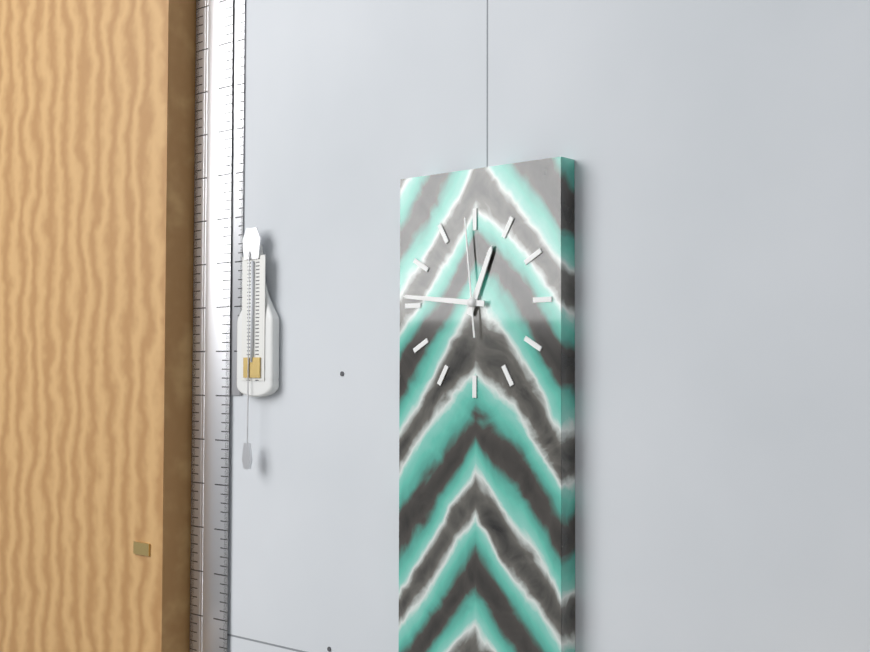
h=12 m=46 s=59
